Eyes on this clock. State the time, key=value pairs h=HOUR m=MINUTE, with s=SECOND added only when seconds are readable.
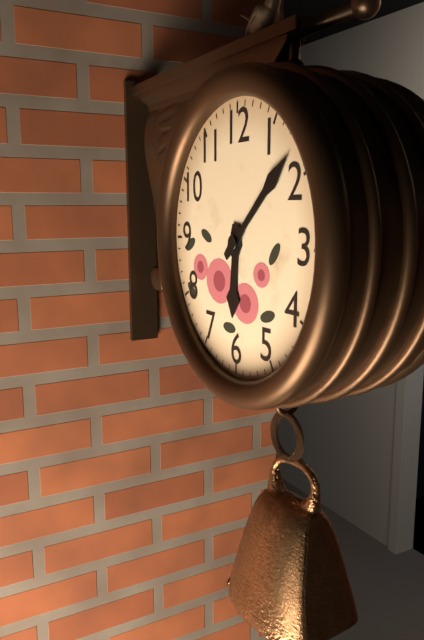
h=6 m=8
